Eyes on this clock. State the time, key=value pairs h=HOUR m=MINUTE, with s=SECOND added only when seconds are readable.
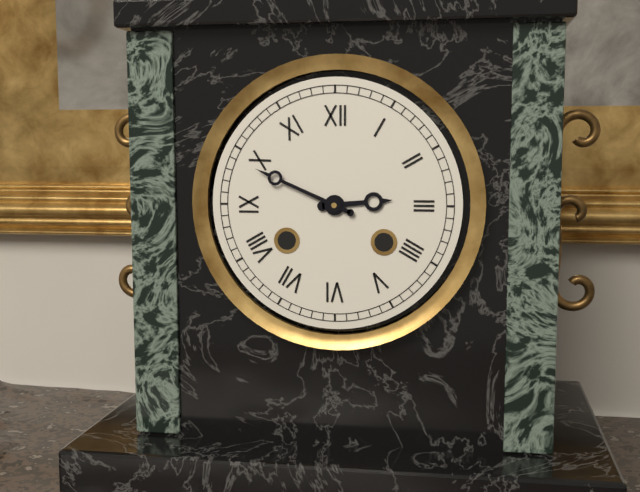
h=2 m=49
